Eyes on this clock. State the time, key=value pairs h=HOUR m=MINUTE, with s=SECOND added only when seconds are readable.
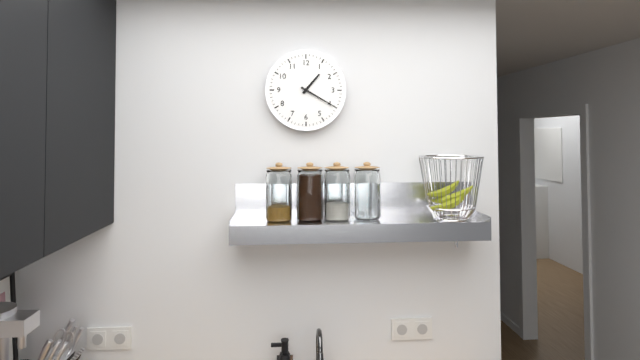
h=1 m=20
